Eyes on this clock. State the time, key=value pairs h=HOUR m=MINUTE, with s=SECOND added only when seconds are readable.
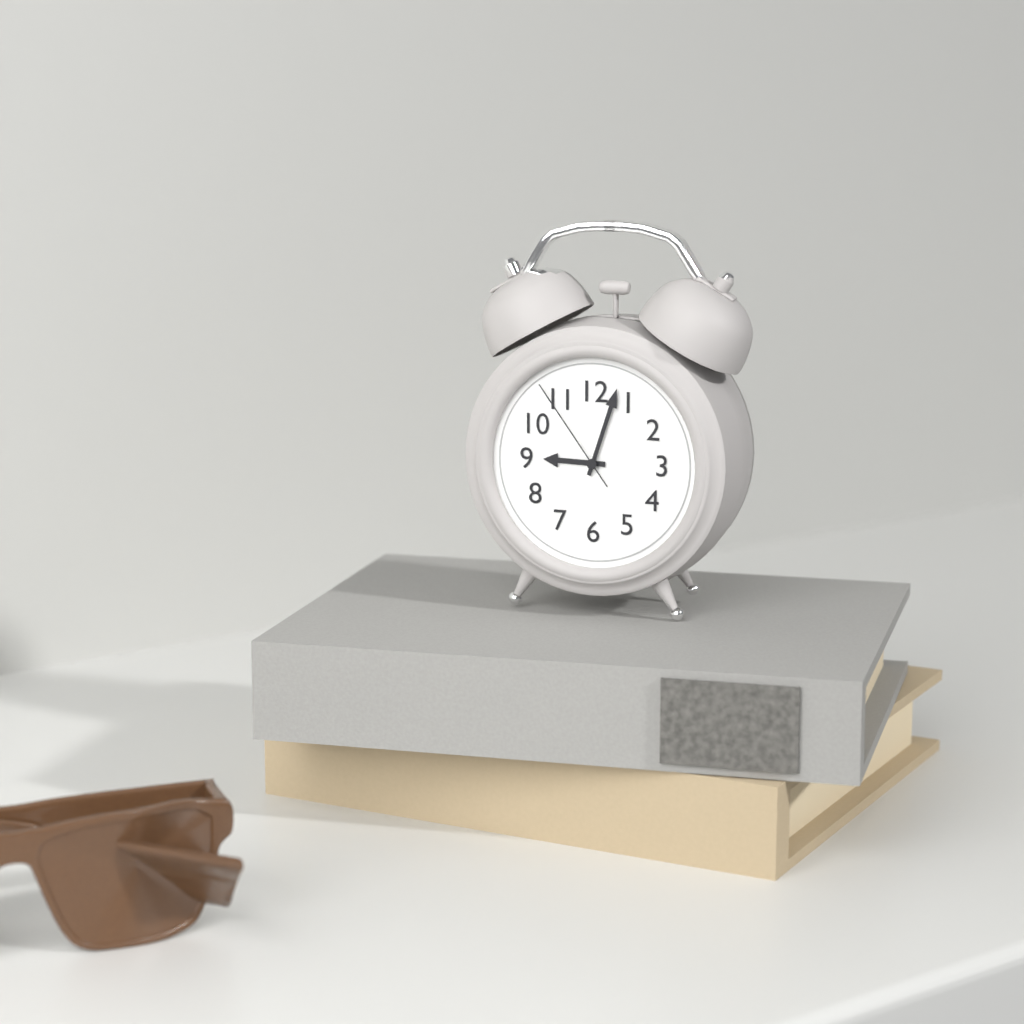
h=9 m=3 s=54
